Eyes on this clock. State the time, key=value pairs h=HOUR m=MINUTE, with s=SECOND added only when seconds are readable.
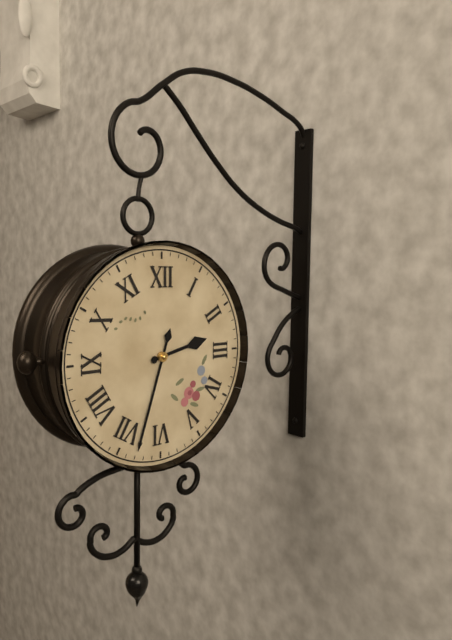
h=2 m=33
